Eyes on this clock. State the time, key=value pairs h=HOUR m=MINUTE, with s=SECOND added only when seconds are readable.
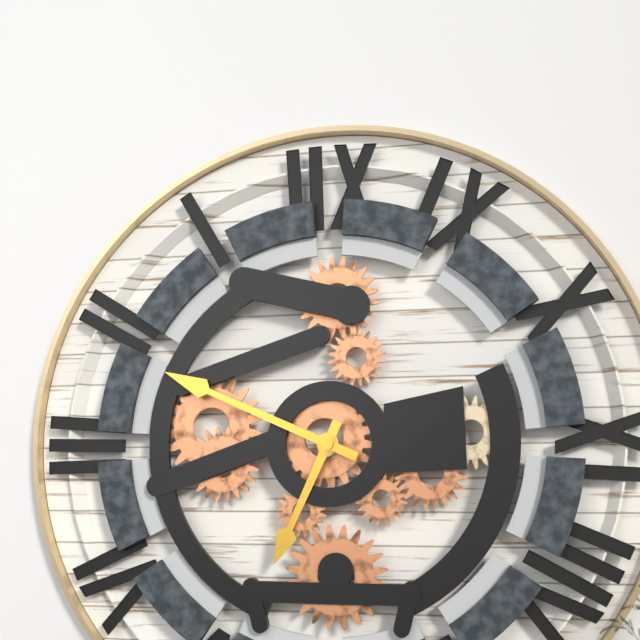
h=6 m=49
